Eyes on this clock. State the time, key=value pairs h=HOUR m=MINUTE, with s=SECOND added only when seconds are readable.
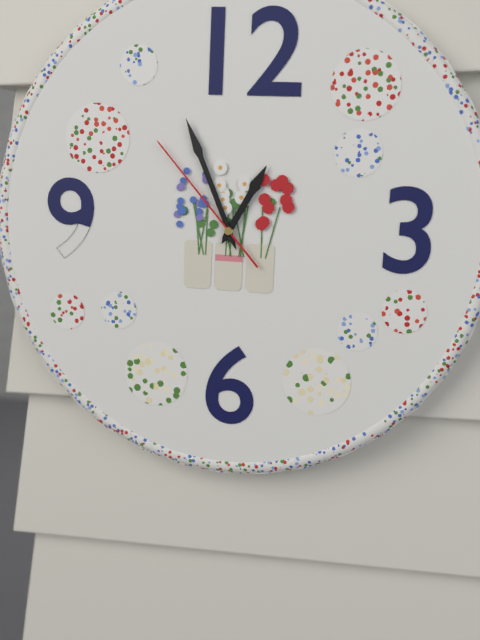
h=12 m=56 s=53
